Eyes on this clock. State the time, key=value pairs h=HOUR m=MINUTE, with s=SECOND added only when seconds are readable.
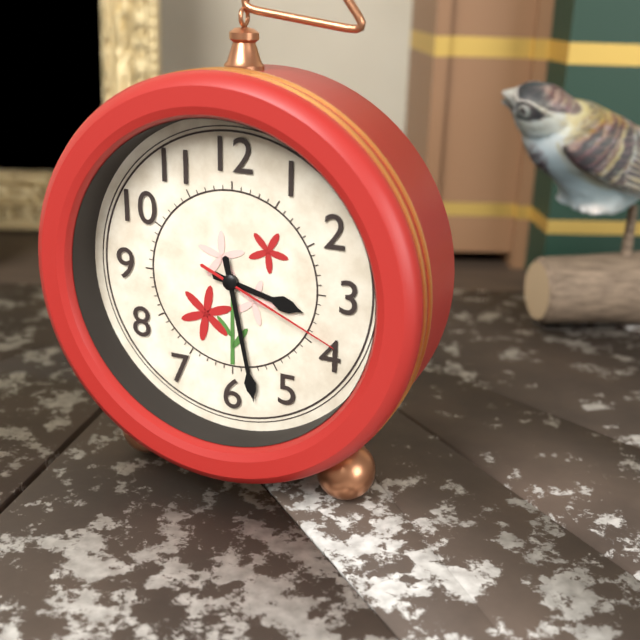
h=3 m=28 s=19
